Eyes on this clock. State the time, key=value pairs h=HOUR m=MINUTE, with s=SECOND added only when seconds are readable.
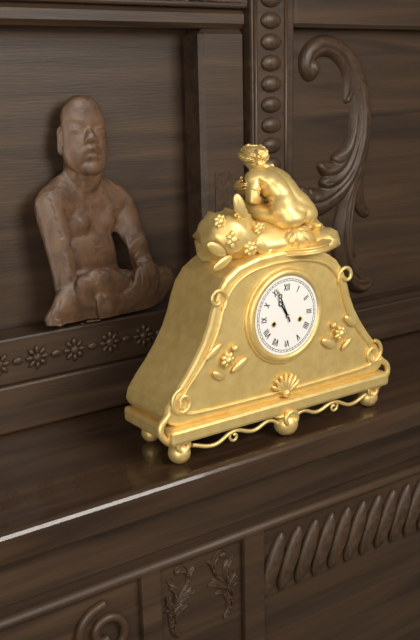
h=10 m=56
